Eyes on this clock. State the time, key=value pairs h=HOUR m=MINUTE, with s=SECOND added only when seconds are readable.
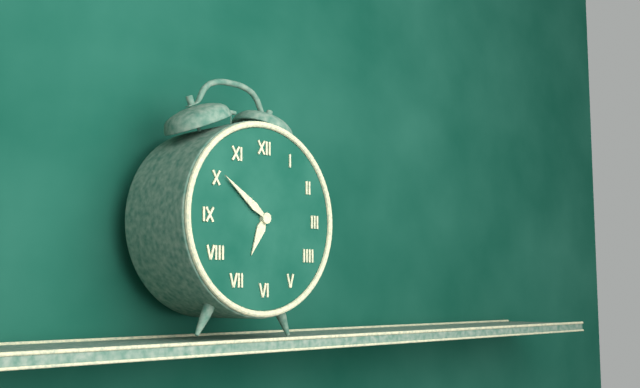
h=6 m=51
